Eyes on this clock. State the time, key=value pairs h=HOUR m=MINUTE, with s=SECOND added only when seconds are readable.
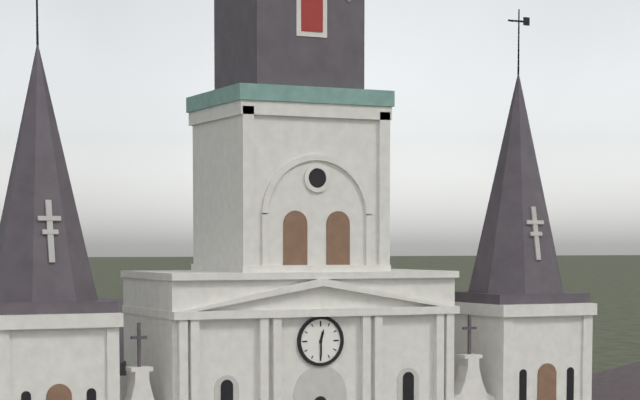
h=12 m=30
